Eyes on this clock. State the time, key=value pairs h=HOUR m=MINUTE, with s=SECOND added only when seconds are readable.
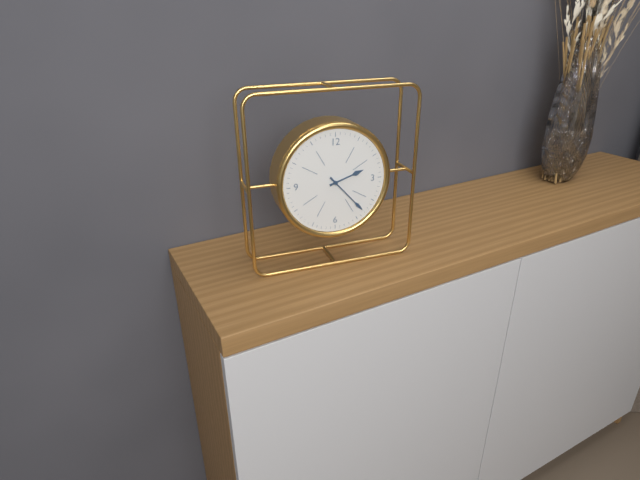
h=2 m=23
